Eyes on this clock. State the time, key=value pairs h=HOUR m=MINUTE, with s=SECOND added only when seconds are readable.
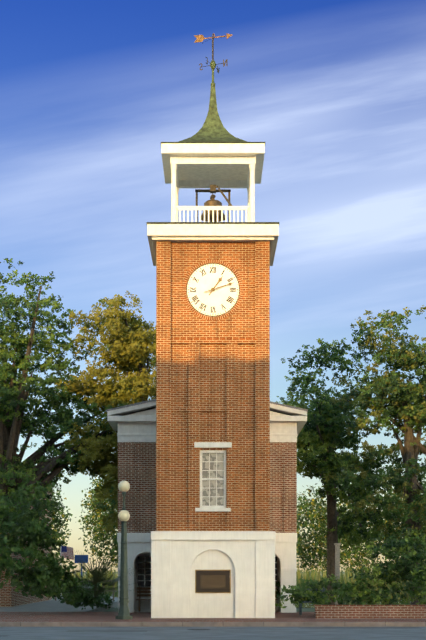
h=1 m=12
